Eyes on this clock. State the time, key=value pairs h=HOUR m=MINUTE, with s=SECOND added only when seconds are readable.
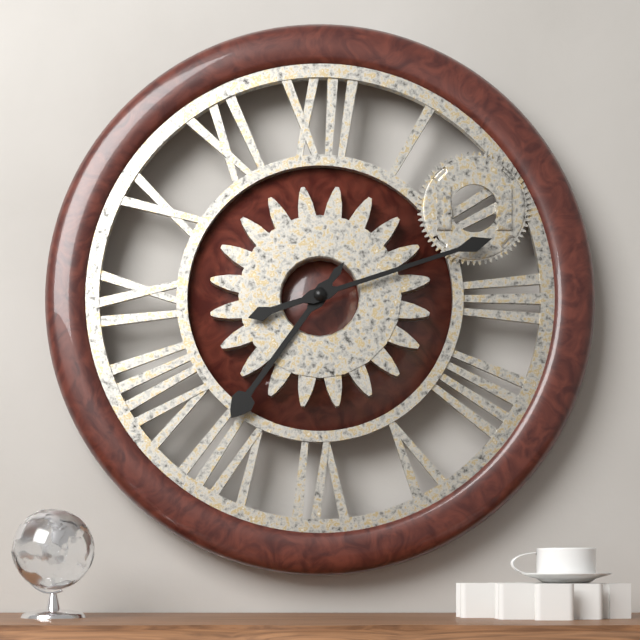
h=7 m=12
